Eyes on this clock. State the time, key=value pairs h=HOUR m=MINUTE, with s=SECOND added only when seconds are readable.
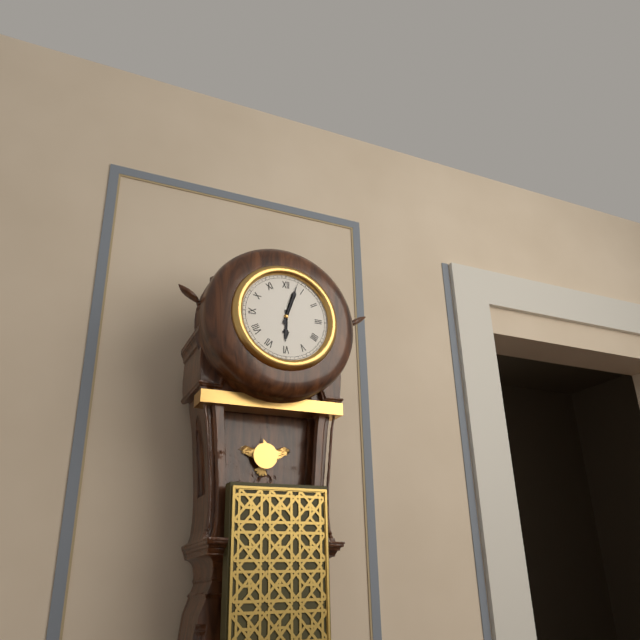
h=6 m=3
